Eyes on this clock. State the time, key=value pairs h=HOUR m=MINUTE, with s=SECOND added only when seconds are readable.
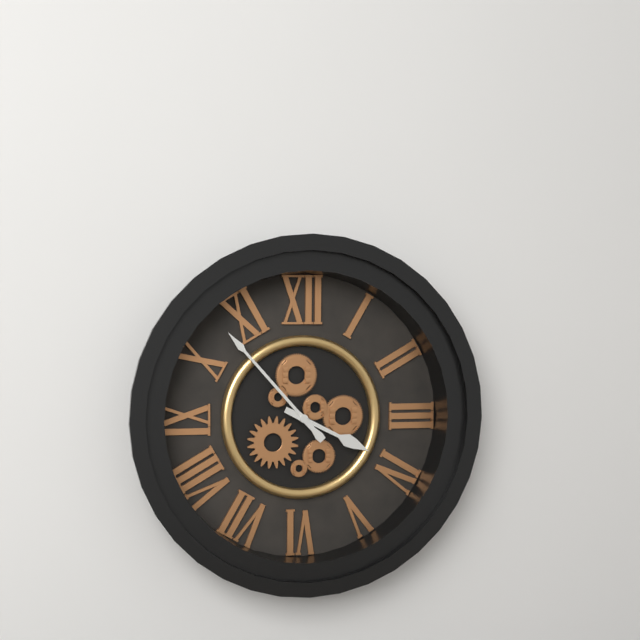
h=3 m=53
